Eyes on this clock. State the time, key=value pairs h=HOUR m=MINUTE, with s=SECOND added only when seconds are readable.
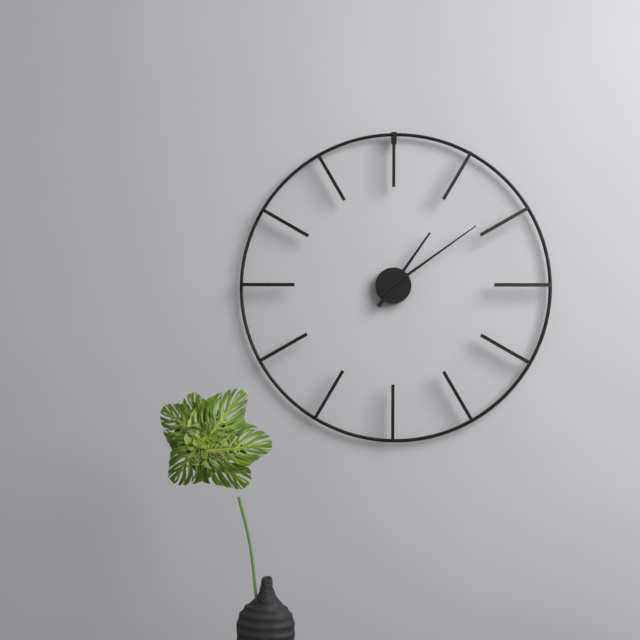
h=1 m=9
